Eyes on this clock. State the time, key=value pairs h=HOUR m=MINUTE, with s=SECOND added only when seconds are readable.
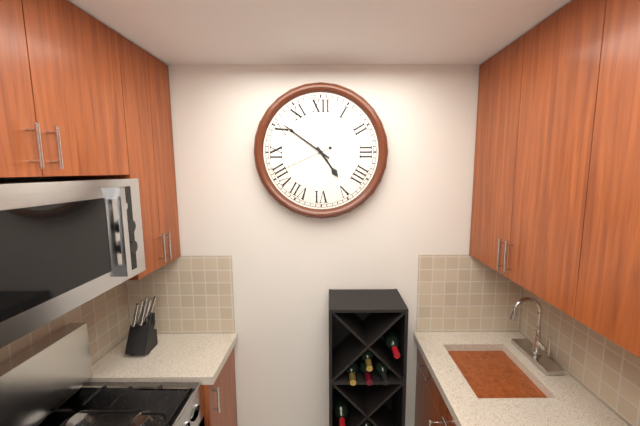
h=4 m=51 s=41
